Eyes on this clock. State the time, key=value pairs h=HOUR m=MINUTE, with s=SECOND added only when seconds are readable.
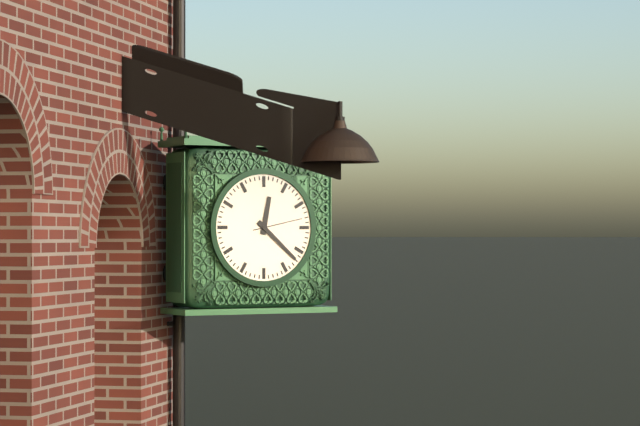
h=12 m=22 s=13
